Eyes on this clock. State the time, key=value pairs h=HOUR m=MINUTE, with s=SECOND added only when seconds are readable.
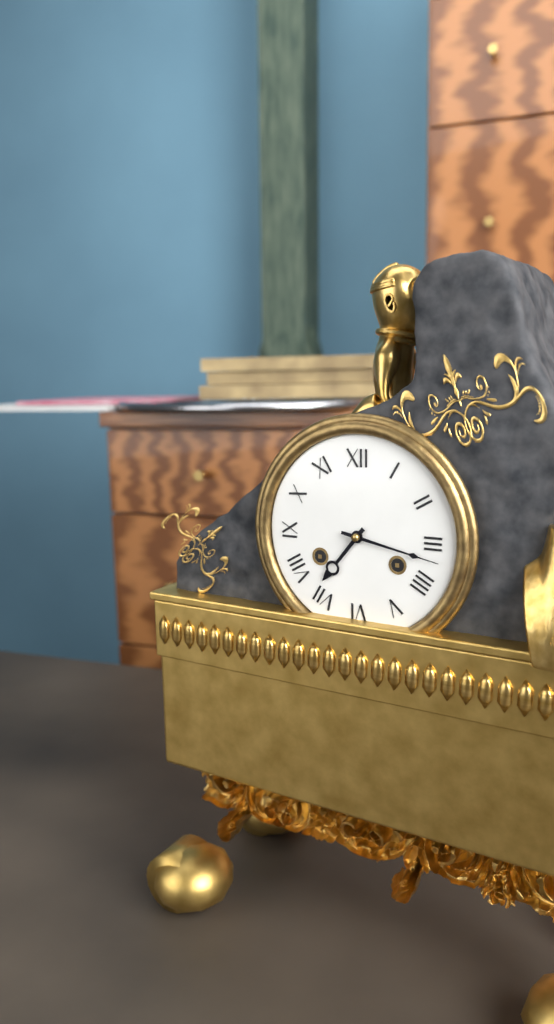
h=7 m=17
